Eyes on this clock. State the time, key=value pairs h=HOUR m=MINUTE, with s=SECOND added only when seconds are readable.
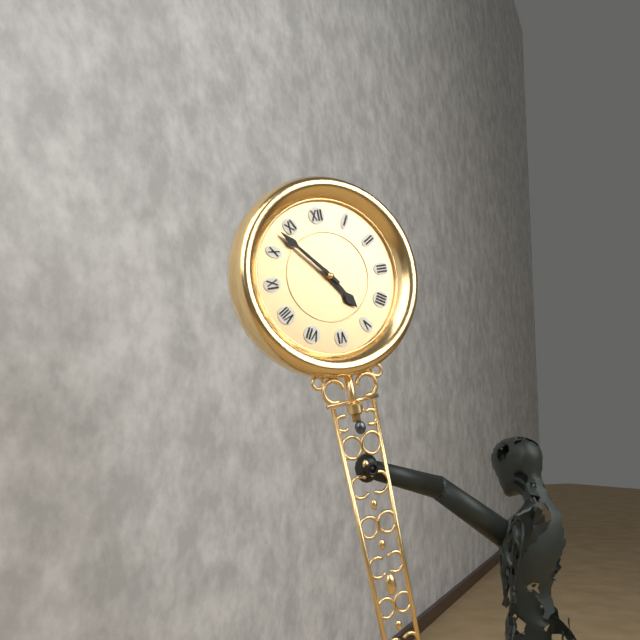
h=4 m=53
